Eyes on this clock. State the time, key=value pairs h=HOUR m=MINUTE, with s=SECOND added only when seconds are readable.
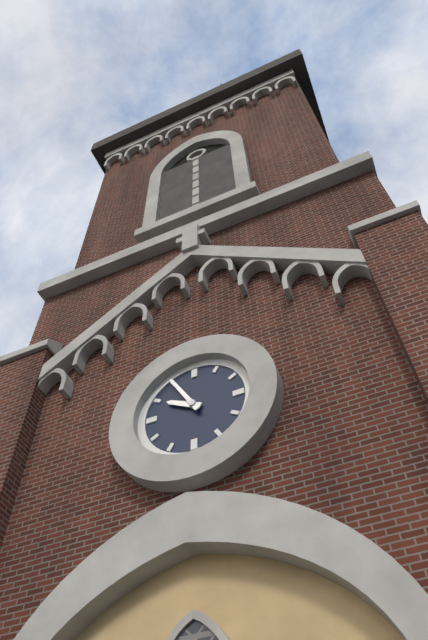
h=9 m=55
